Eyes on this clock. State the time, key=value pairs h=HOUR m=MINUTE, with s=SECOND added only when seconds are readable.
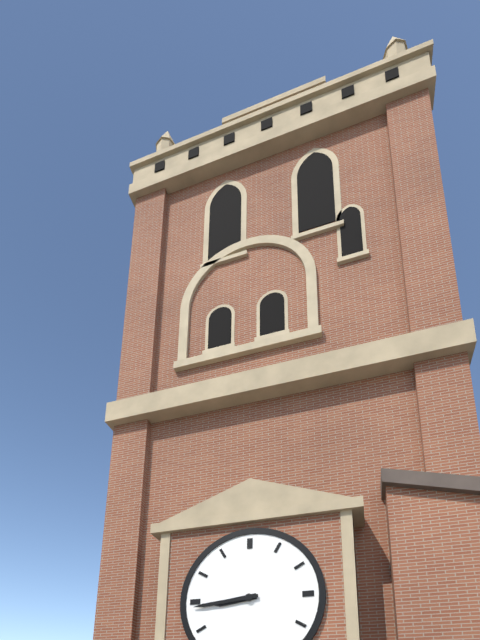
h=8 m=44
